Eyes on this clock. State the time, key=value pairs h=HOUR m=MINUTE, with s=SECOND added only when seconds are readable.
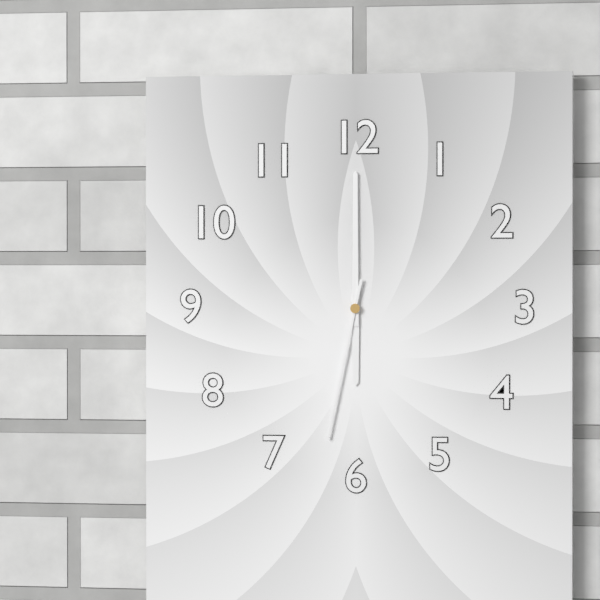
h=6 m=0 s=32
